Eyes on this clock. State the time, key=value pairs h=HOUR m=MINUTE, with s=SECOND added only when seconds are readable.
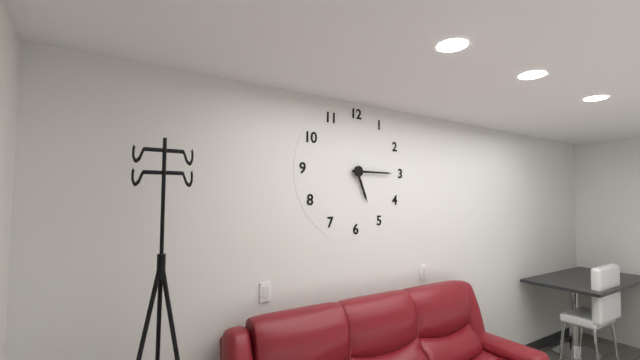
h=5 m=15
